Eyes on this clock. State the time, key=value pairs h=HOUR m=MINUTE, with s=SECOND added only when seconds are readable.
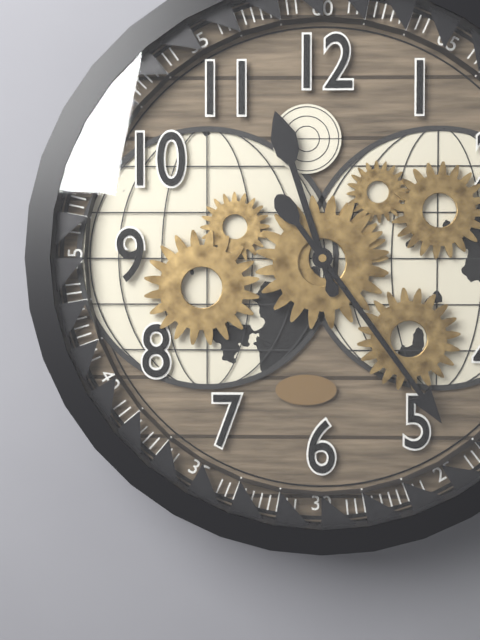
h=11 m=24
